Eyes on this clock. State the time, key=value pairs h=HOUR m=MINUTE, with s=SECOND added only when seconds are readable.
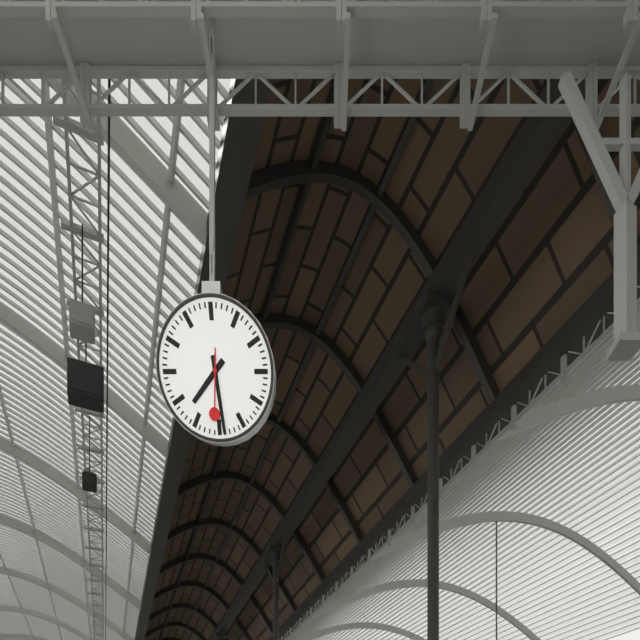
h=7 m=29 s=31
